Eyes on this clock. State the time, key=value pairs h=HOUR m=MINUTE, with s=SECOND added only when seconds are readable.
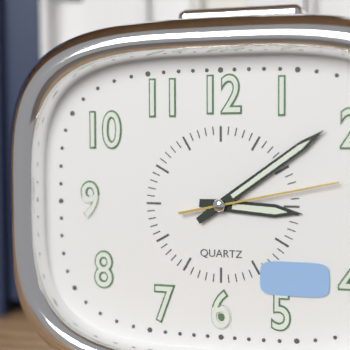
h=3 m=9 s=13
